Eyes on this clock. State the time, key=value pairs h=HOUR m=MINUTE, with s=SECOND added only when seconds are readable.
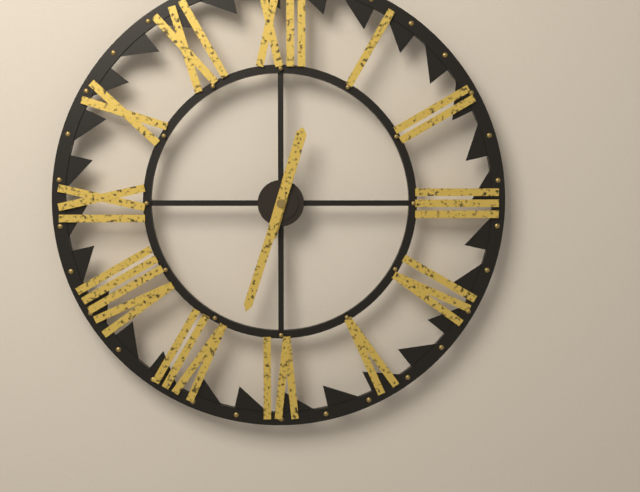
h=12 m=33
